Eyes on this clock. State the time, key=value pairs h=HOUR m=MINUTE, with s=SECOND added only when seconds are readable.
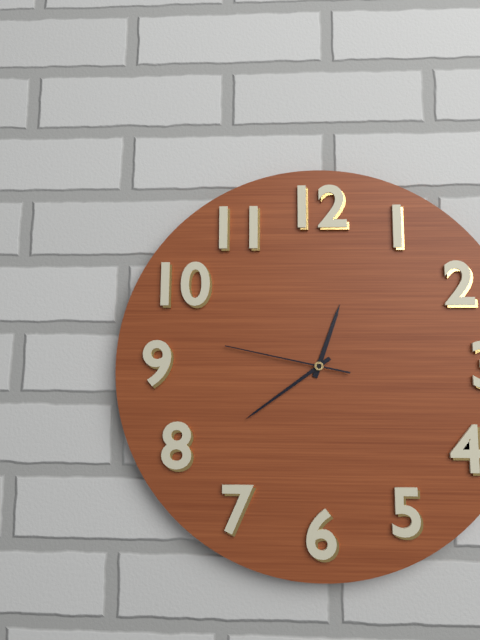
h=12 m=39 s=47
